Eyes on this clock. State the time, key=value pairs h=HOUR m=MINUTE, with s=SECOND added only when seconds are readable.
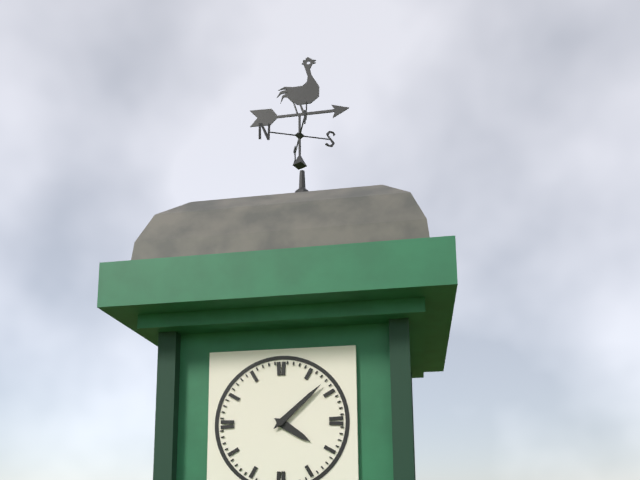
h=4 m=8
